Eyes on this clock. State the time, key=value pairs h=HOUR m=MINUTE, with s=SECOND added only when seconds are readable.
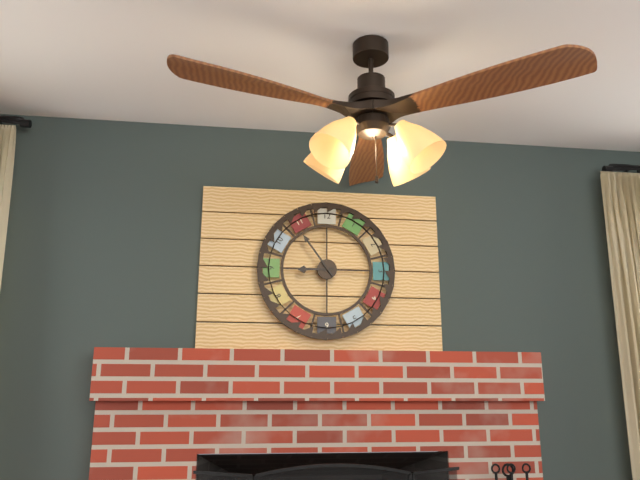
h=8 m=54
